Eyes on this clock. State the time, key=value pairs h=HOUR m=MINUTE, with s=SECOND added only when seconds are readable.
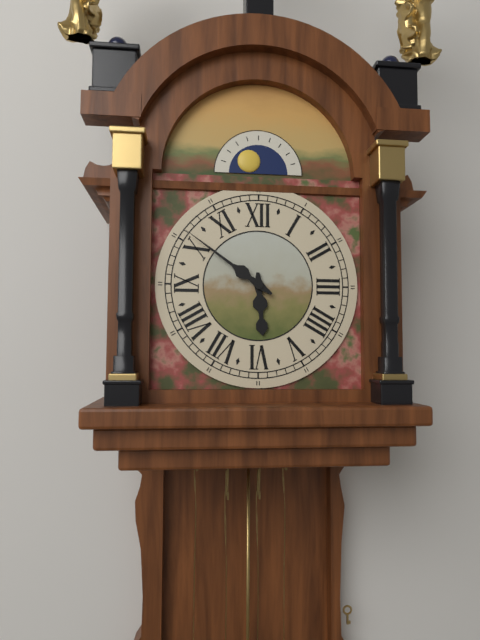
h=5 m=51
